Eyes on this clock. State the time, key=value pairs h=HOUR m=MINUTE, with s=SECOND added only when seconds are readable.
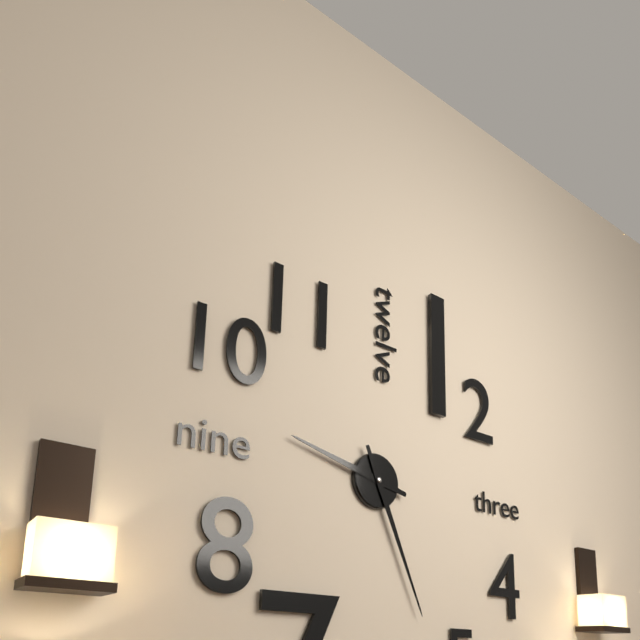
h=9 m=26
